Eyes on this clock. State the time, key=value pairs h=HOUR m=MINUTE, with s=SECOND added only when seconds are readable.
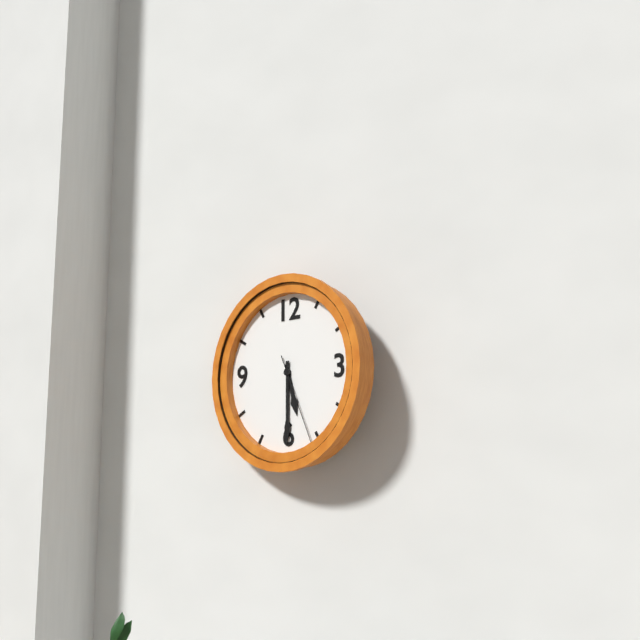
h=5 m=30 s=26
